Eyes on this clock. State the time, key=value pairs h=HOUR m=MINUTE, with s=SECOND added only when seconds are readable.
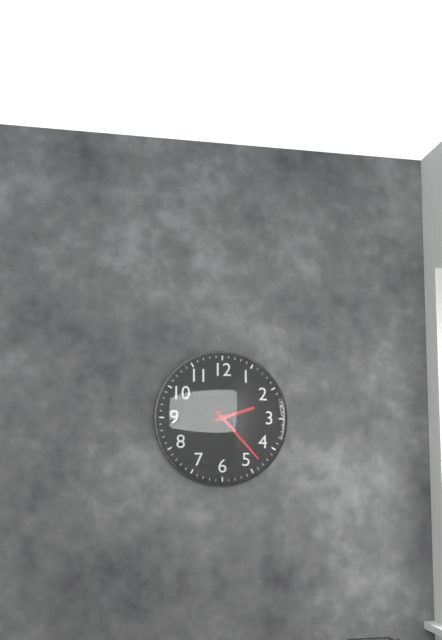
h=2 m=23
